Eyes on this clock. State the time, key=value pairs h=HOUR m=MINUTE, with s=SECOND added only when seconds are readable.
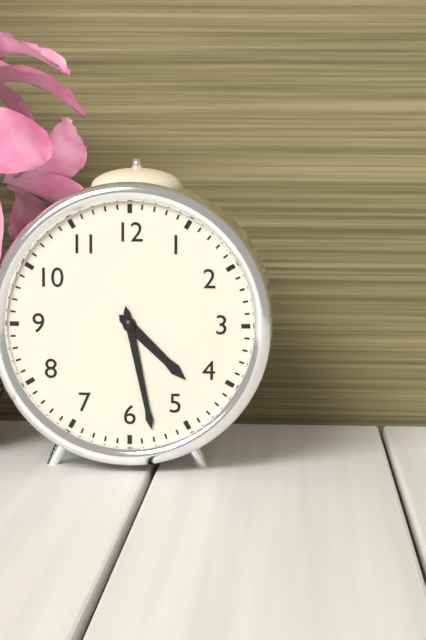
h=4 m=28
